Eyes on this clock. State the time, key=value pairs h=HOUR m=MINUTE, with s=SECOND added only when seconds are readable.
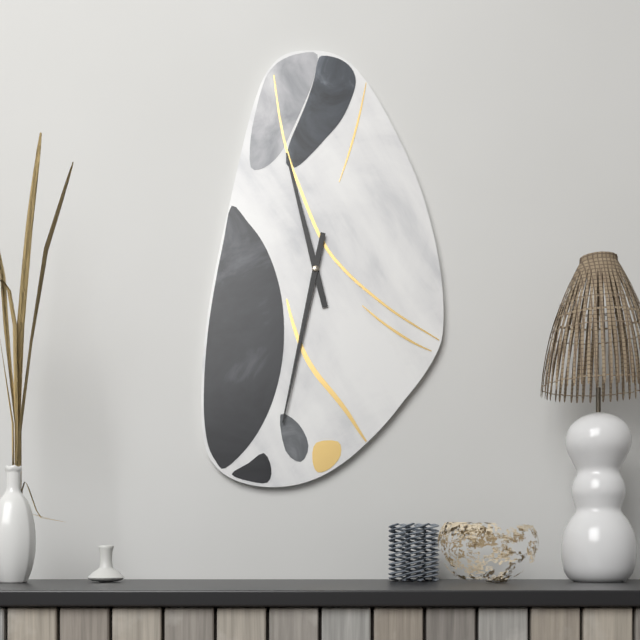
h=11 m=32
